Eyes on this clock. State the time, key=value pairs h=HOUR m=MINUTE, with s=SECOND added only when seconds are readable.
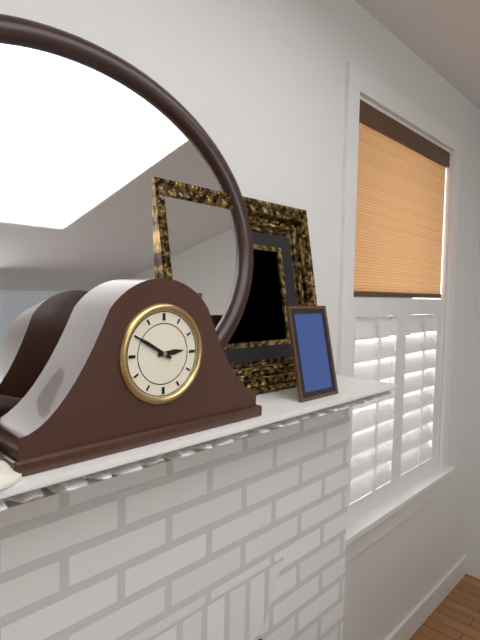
h=2 m=50
